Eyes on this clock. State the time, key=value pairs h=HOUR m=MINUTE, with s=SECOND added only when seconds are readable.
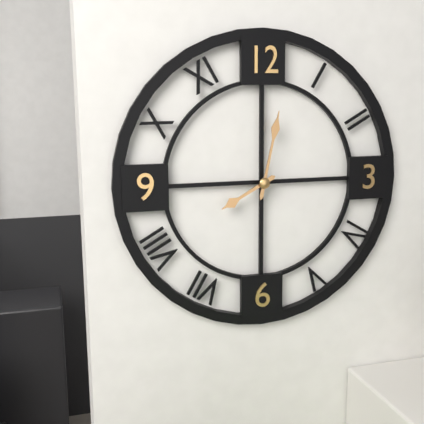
h=8 m=2
